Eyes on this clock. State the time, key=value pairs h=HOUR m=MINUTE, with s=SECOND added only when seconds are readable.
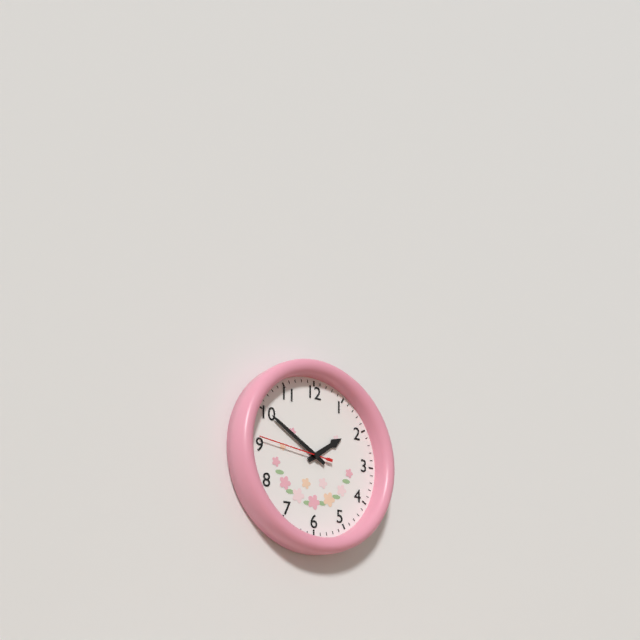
h=1 m=50 s=46
